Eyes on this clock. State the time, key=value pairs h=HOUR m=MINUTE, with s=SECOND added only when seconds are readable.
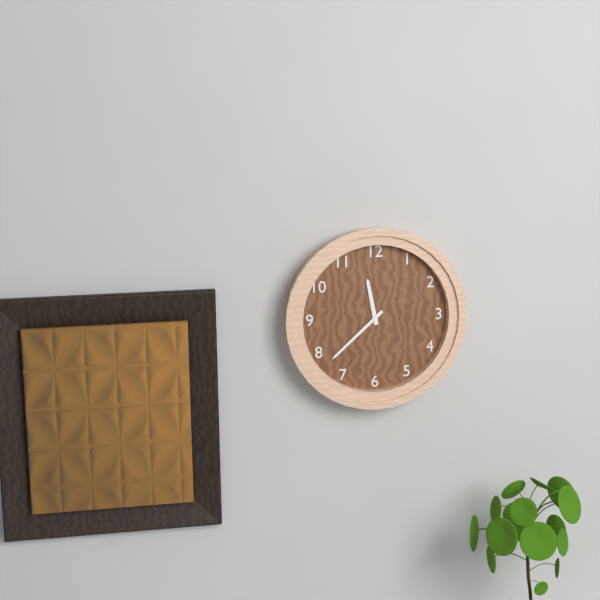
h=11 m=38
